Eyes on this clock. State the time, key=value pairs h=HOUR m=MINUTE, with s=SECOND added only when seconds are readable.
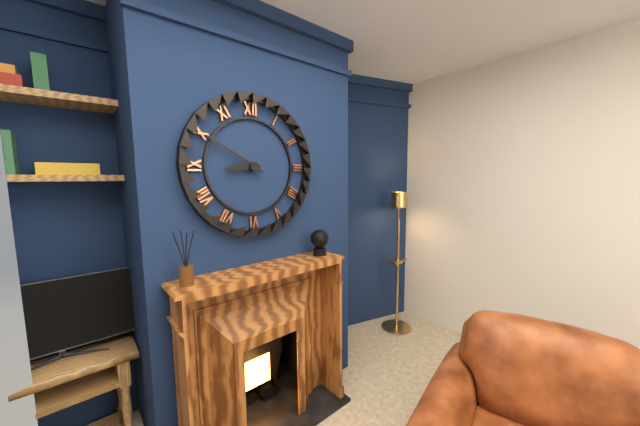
h=8 m=50
